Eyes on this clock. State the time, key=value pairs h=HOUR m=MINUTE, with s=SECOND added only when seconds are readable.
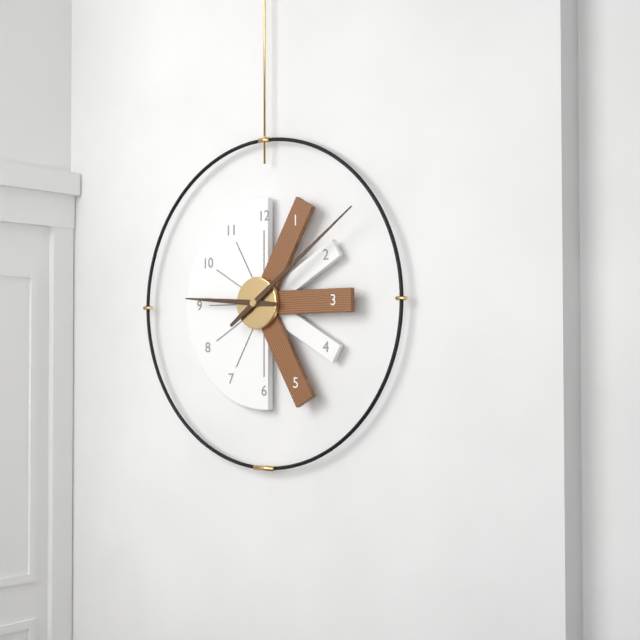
h=9 m=9
